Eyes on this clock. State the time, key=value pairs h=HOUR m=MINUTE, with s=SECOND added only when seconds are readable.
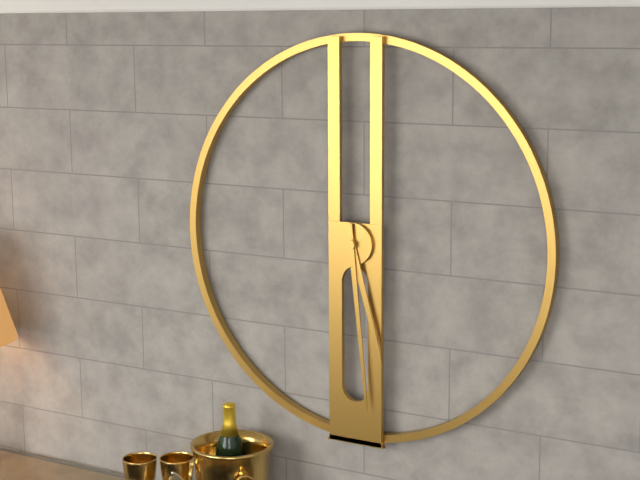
h=5 m=29
